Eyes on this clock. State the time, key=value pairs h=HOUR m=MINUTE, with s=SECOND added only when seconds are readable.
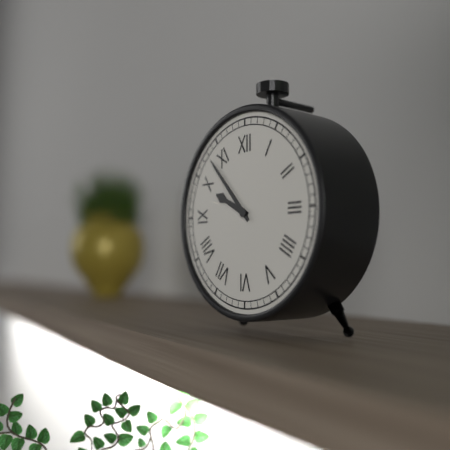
h=9 m=53
